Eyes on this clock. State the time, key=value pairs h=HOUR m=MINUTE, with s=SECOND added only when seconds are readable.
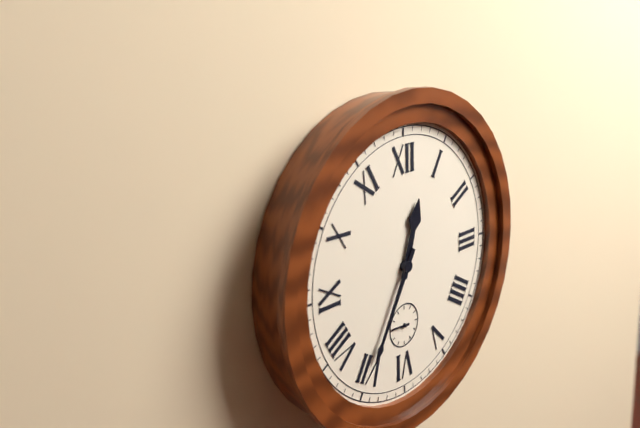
h=12 m=35
